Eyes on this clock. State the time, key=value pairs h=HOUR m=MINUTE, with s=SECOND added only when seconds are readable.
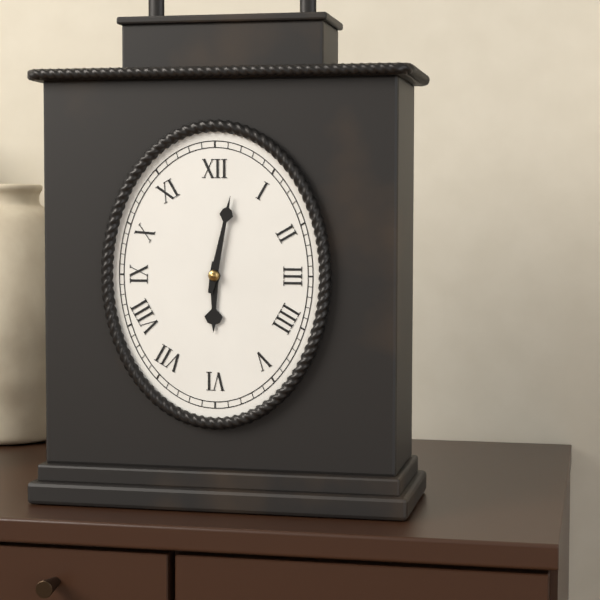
h=6 m=2
